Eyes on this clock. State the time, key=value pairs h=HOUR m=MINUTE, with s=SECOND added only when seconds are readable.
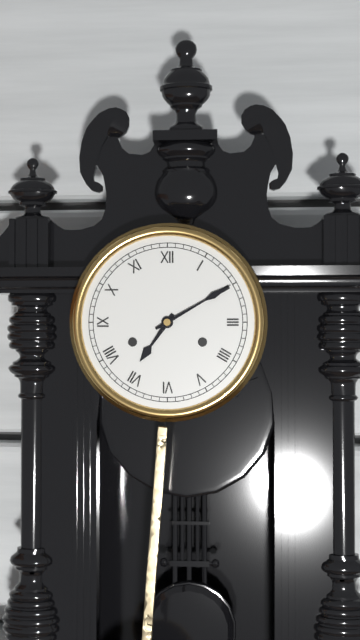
h=7 m=10
